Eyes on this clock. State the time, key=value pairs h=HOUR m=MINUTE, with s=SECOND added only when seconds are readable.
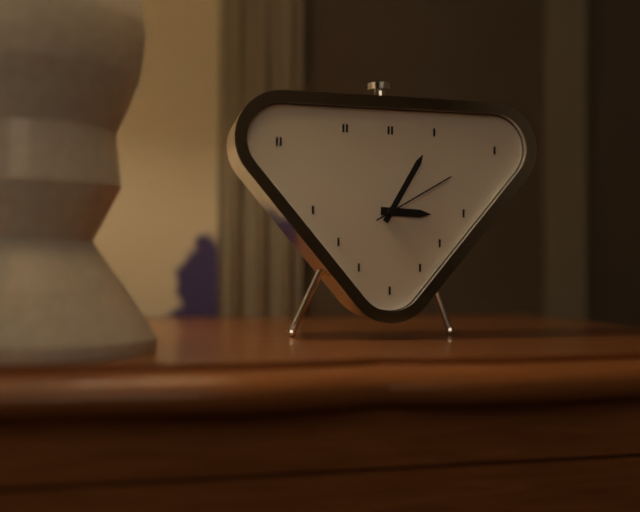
h=3 m=5 s=10
